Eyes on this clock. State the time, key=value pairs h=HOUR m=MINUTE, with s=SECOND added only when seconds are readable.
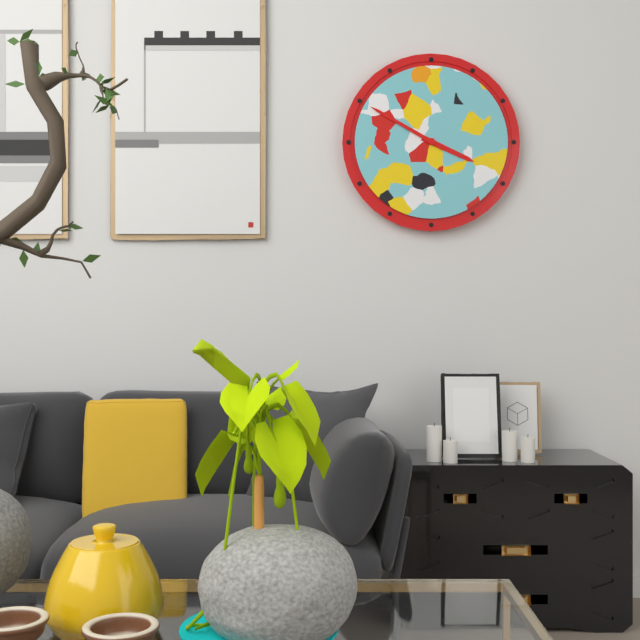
h=3 m=50
